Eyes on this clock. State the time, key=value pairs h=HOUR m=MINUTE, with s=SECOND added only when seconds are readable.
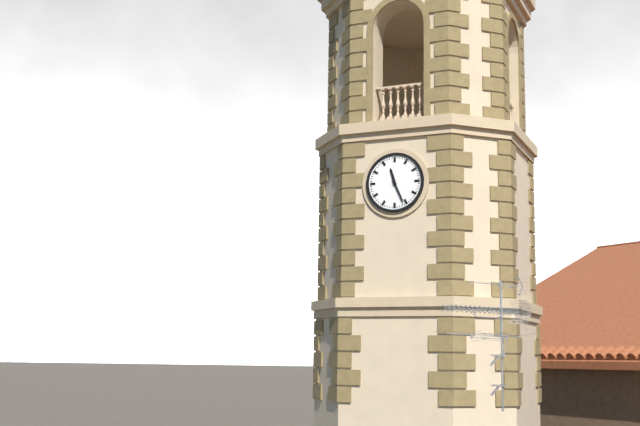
h=11 m=26
